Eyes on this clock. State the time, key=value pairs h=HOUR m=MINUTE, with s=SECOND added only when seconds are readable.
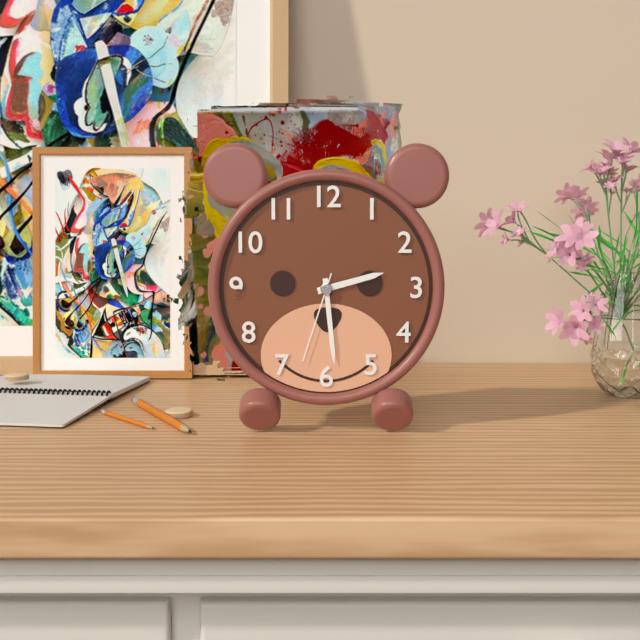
h=2 m=29 s=33
